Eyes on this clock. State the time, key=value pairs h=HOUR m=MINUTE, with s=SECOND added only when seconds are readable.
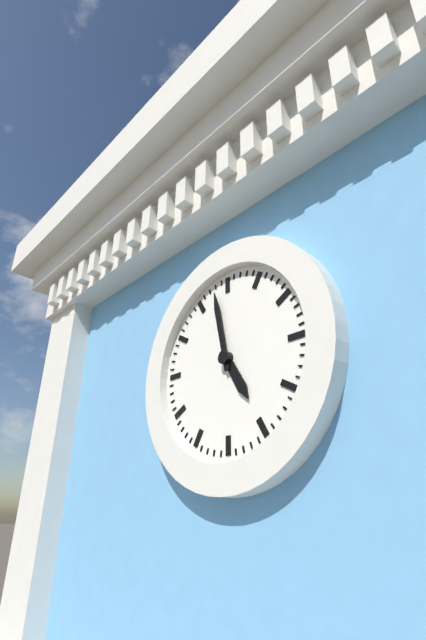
h=4 m=58
